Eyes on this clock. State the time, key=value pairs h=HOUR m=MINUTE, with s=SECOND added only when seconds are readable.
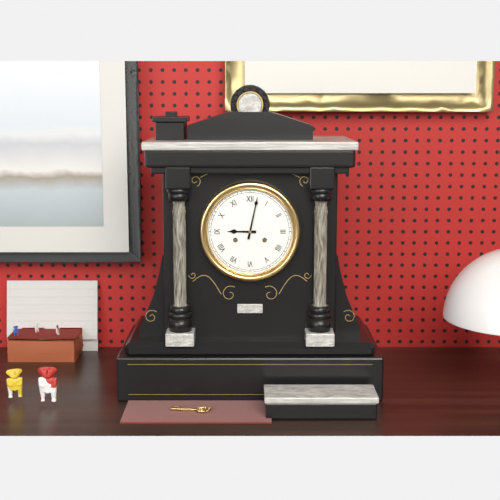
h=9 m=2
